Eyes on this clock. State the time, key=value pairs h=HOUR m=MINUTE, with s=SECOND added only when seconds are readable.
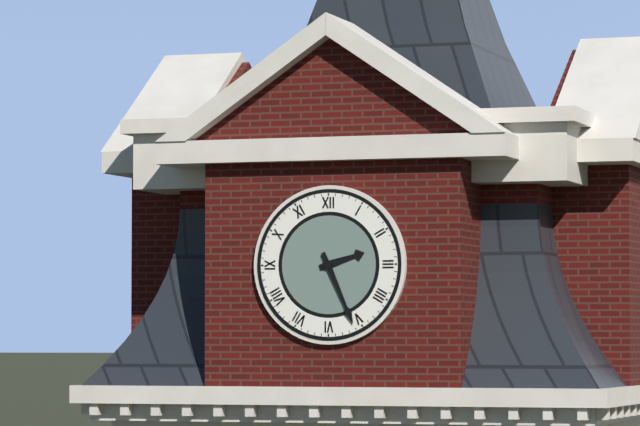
h=2 m=26
